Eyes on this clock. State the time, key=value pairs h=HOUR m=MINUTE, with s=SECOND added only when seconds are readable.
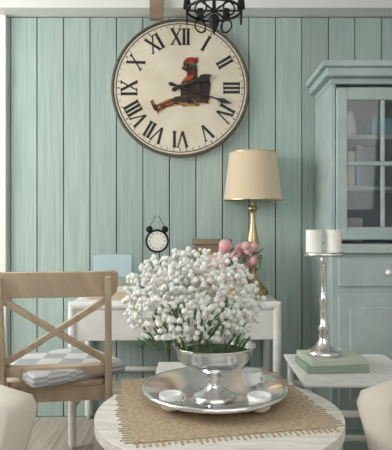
h=2 m=18
